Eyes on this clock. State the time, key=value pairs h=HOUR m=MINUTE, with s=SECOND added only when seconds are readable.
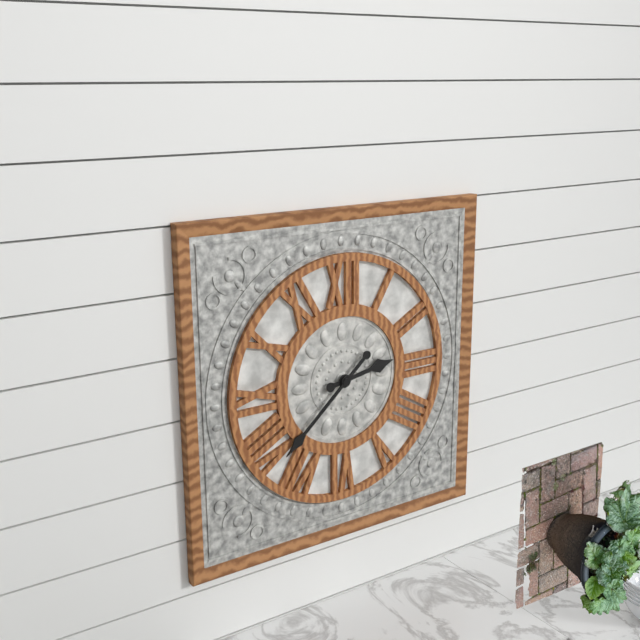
h=2 m=38
